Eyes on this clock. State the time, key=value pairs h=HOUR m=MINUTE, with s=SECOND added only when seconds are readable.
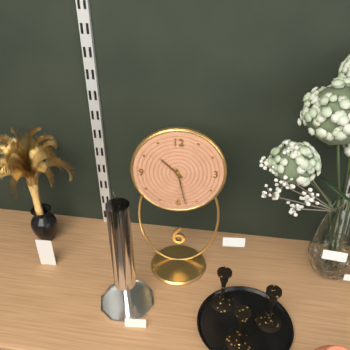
h=10 m=28
